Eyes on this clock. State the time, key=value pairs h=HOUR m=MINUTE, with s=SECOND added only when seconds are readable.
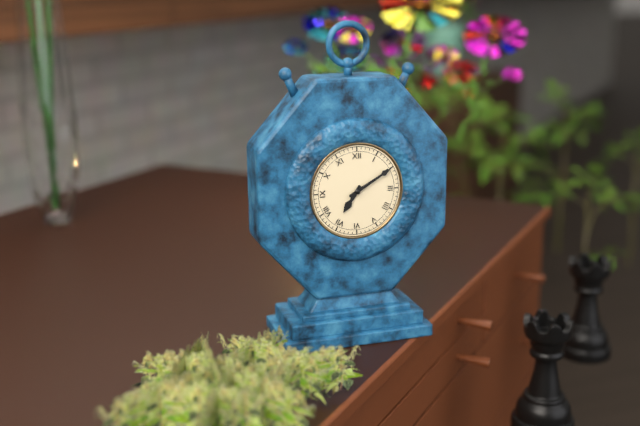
h=7 m=10
